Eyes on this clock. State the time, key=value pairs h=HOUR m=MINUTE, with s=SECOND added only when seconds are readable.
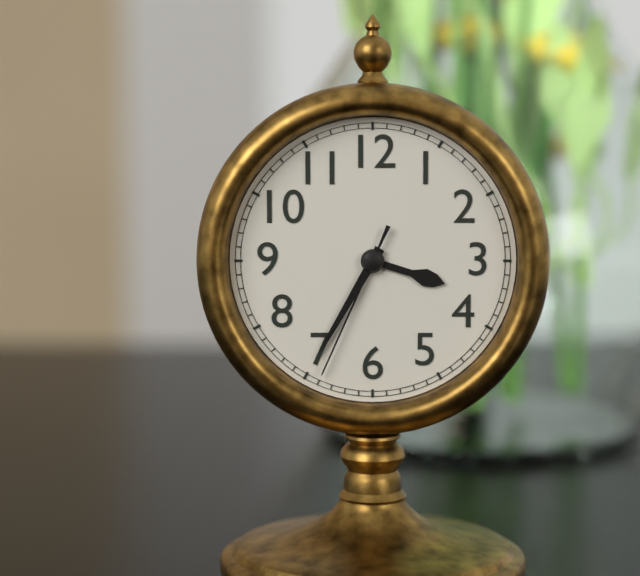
h=3 m=35 s=34
